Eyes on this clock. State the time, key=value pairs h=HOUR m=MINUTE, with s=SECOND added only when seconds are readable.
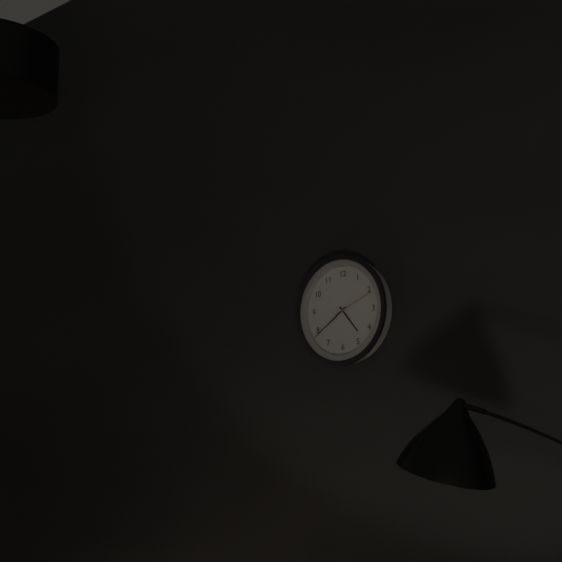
h=4 m=39
